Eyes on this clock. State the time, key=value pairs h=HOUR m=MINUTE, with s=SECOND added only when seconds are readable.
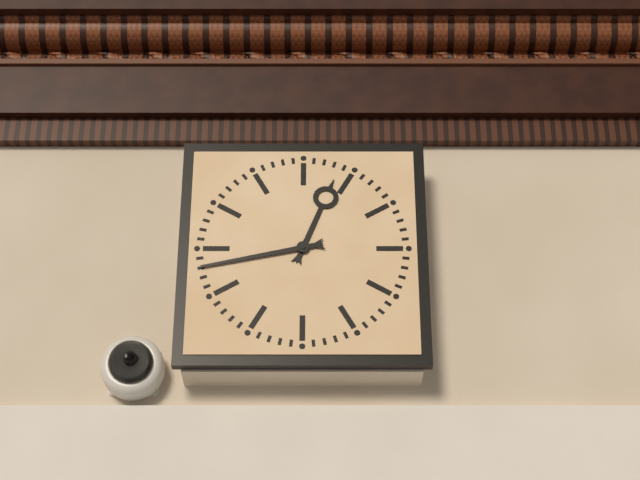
h=12 m=43
